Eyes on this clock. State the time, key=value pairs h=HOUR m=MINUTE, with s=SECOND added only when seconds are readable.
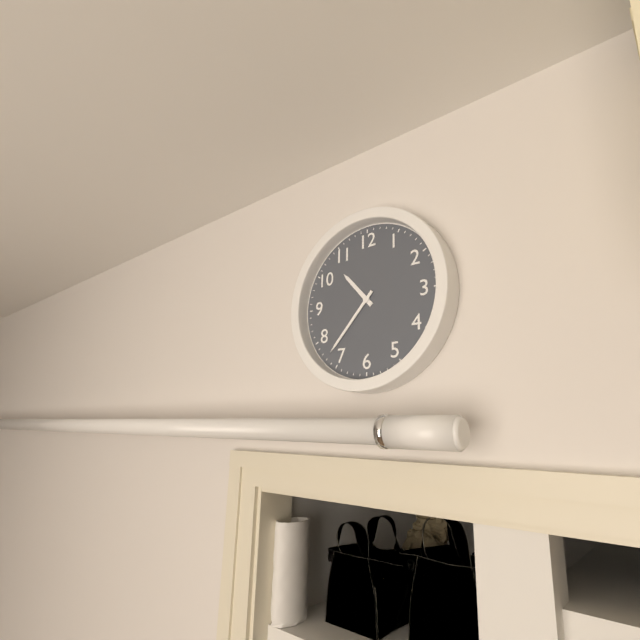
h=10 m=37
